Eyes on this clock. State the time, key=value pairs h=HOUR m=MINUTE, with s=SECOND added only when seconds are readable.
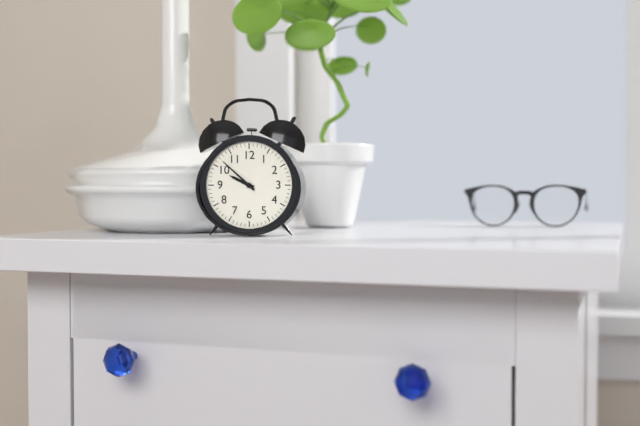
h=9 m=52
